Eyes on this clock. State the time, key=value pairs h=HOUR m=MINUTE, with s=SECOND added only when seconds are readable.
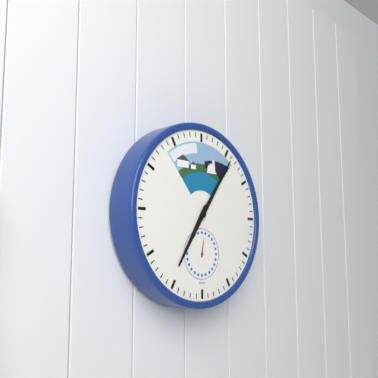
h=7 m=6
